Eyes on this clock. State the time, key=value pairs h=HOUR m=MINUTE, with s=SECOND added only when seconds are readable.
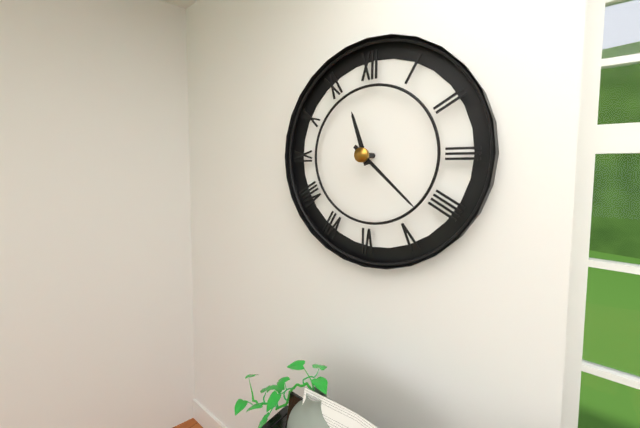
h=11 m=22
